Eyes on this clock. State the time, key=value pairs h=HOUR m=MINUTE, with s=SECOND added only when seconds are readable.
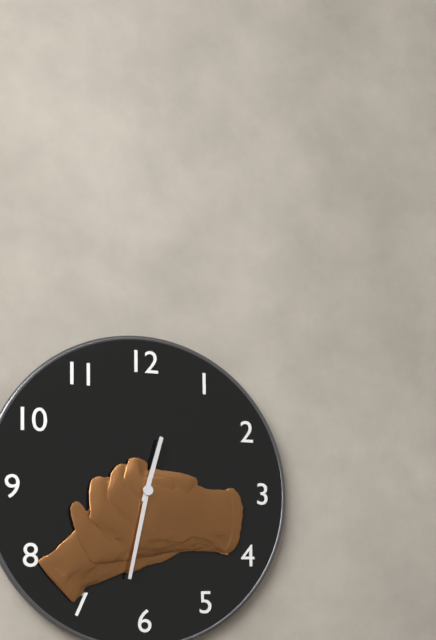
h=12 m=32
